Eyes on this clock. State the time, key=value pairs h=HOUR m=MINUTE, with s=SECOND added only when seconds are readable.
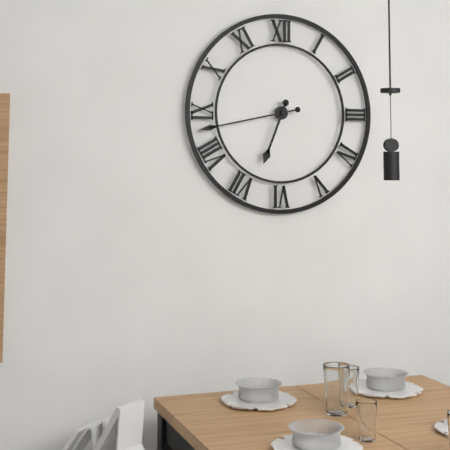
h=6 m=43
